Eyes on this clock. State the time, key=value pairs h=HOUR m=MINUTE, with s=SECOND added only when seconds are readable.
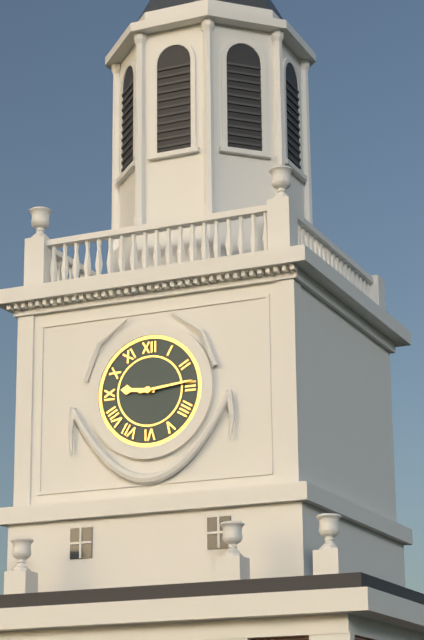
h=9 m=14
